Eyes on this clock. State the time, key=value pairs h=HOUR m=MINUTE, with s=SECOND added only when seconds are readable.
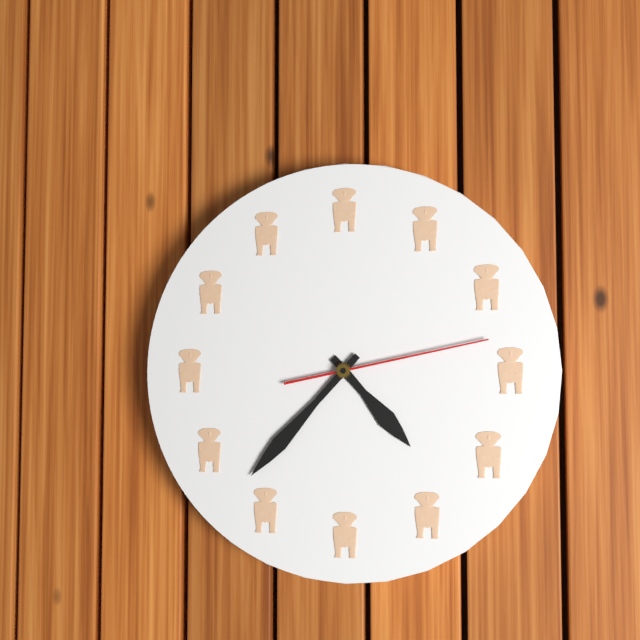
h=4 m=37 s=13
